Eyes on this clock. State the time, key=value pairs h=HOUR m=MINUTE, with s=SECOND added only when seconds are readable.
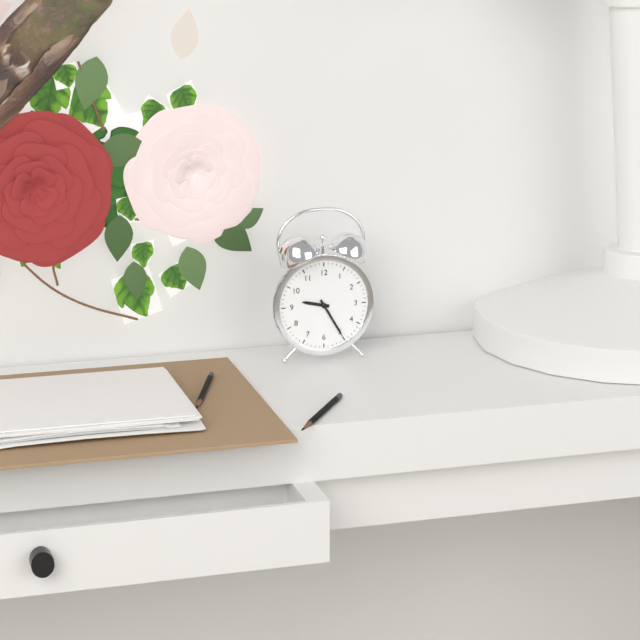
h=9 m=25
